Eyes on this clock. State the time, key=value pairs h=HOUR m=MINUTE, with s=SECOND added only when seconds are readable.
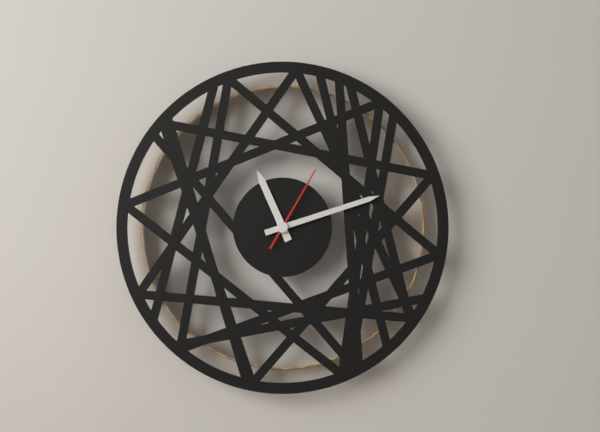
h=11 m=12 s=5
